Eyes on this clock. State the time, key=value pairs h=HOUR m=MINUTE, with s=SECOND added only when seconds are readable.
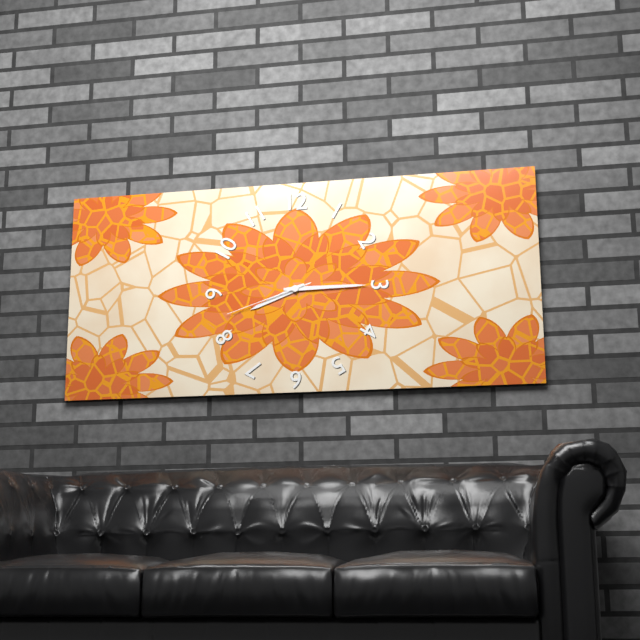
h=8 m=15 s=42
